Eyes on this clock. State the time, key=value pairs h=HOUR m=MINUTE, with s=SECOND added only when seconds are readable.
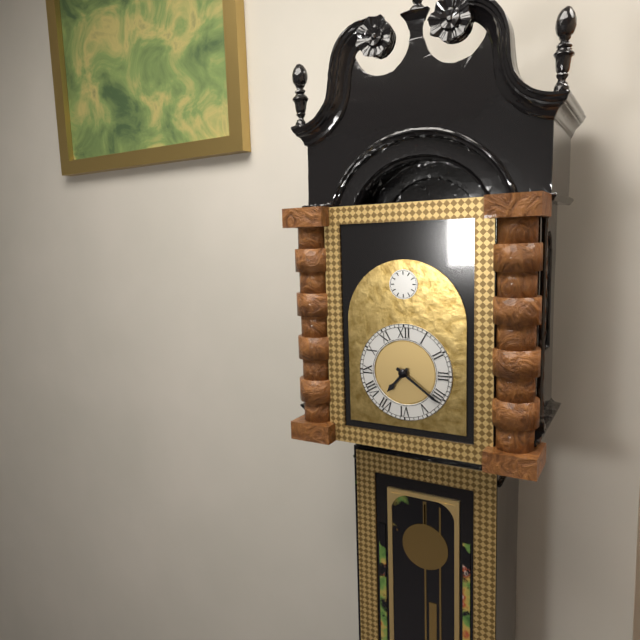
h=7 m=21
